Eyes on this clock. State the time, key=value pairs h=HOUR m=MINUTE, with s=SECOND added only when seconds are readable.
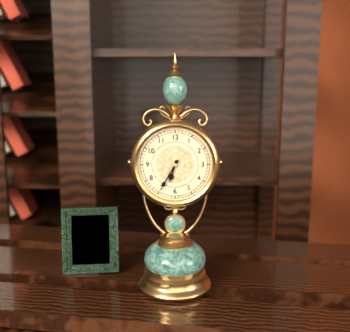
h=6 m=35
